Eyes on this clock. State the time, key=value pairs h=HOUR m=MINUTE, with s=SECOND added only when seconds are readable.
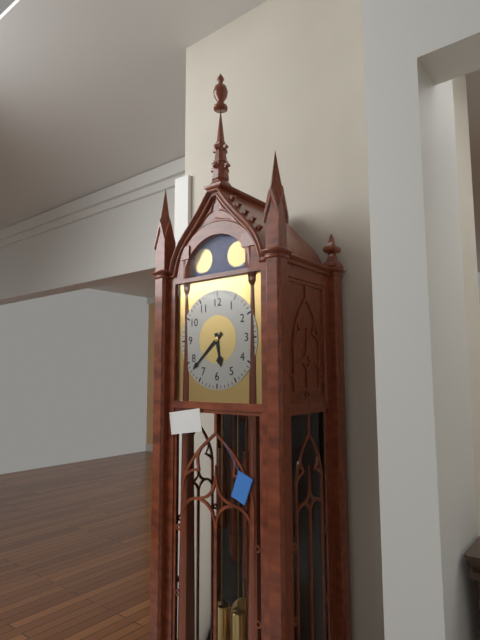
h=5 m=38
